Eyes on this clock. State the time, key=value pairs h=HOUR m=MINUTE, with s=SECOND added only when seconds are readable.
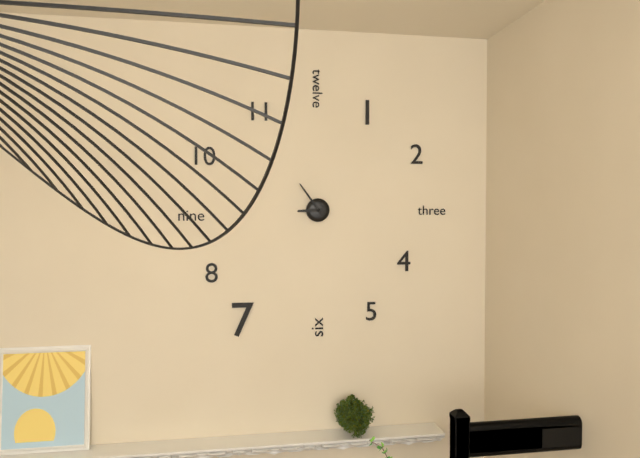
h=8 m=54
